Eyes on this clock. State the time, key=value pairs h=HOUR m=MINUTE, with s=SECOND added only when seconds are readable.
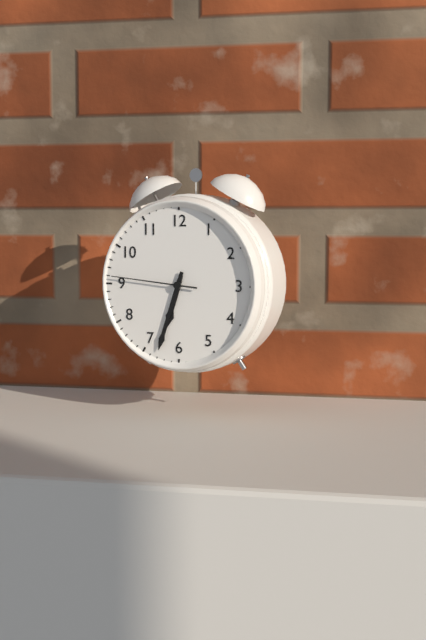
h=6 m=33 s=46
